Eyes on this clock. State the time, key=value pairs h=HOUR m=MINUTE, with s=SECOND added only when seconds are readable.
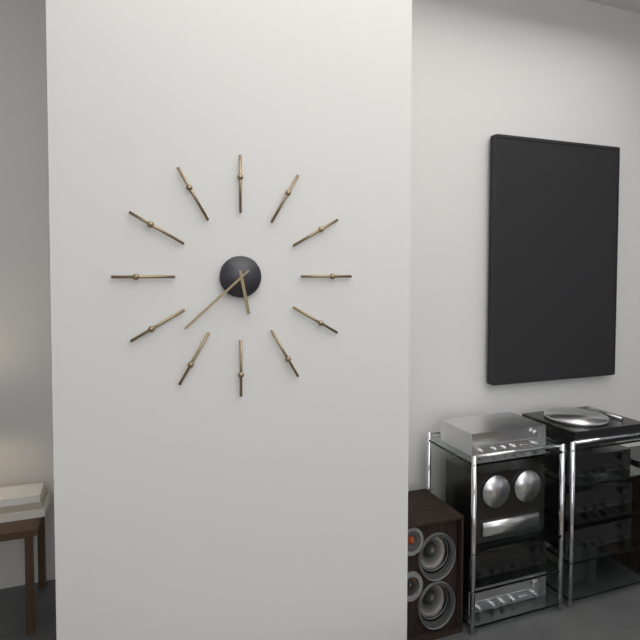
h=5 m=38
